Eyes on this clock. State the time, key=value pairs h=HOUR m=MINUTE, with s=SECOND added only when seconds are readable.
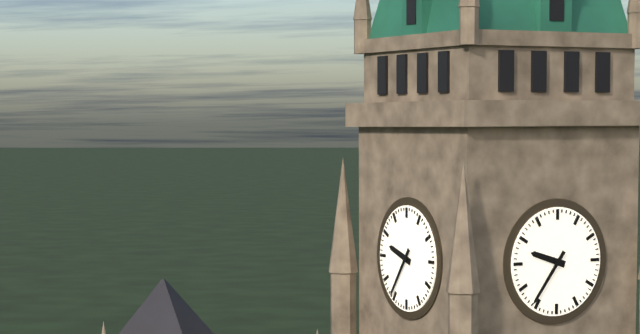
h=9 m=36
